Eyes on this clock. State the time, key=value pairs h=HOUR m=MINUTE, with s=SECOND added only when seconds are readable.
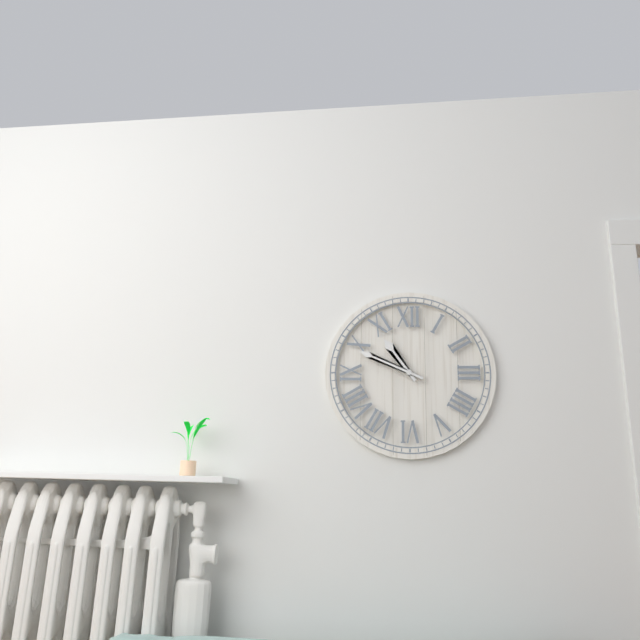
h=10 m=49
